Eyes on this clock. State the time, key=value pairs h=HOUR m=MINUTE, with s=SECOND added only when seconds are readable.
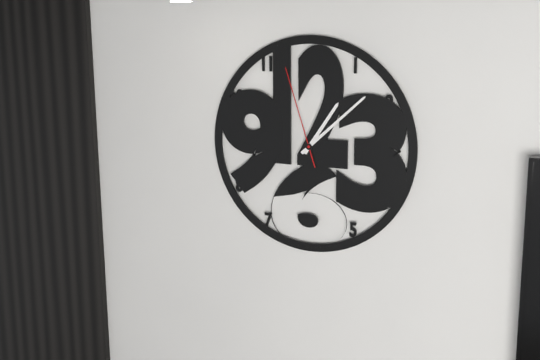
h=1 m=8 s=57
